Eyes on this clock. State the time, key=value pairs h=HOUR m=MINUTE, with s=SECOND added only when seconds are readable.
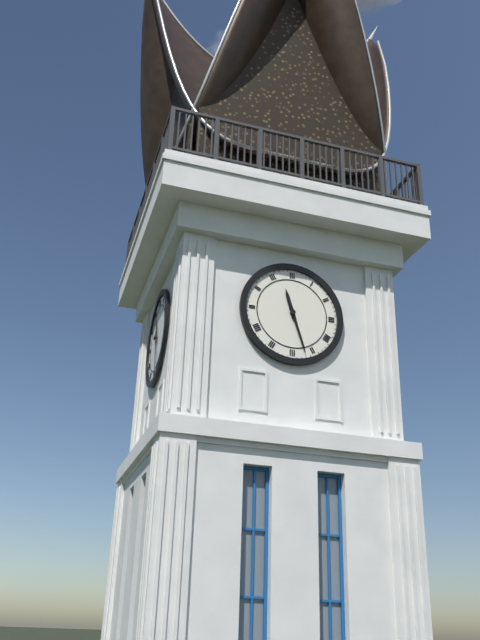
h=11 m=27
